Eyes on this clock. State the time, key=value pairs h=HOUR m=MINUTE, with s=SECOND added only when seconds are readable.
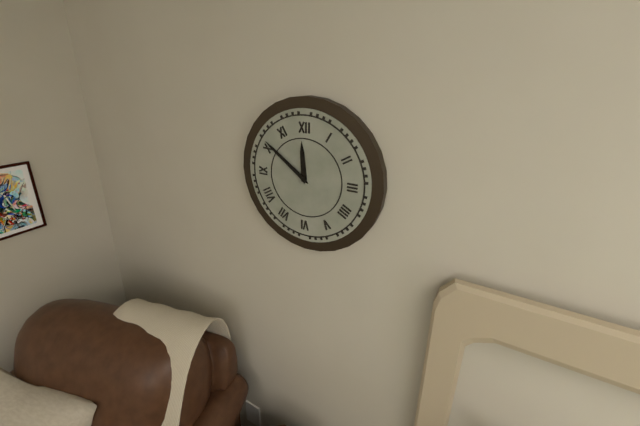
h=11 m=51
